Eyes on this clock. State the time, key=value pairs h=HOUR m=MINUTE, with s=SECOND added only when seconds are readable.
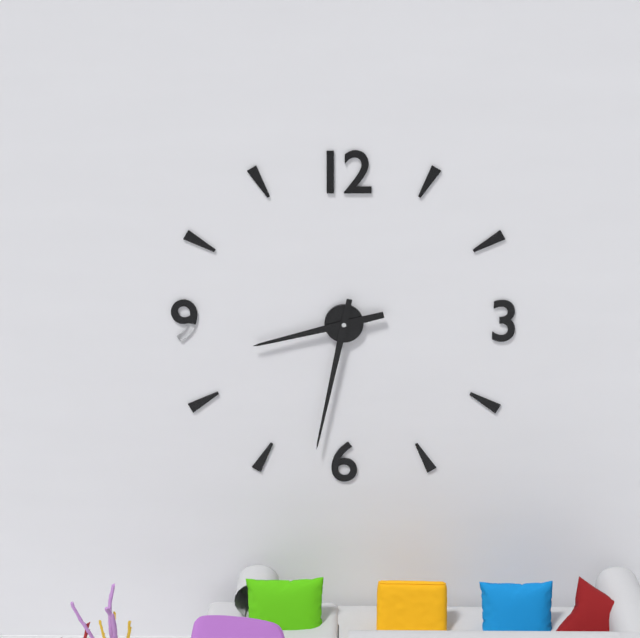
h=8 m=32
